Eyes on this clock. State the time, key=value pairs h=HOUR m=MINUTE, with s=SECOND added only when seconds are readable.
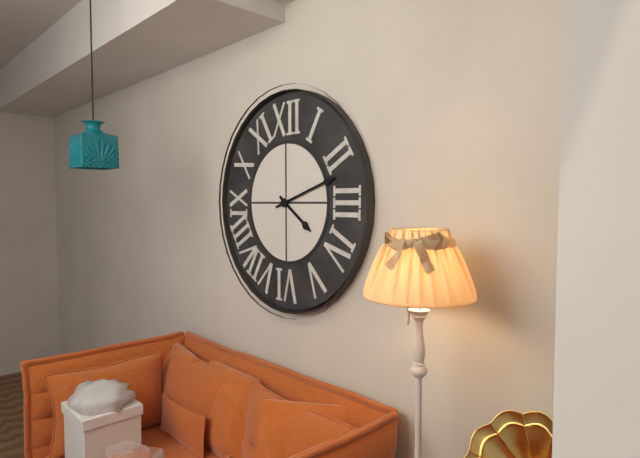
h=4 m=12
